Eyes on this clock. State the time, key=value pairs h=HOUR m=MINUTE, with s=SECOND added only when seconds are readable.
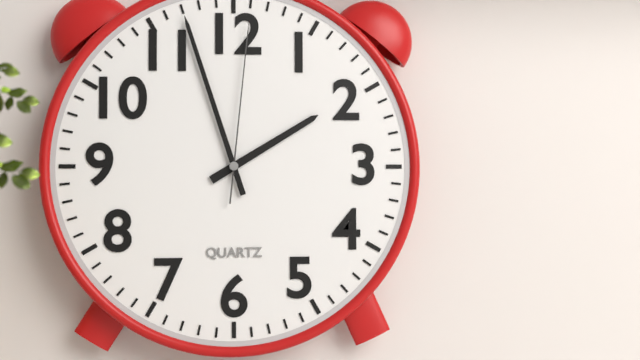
h=1 m=57 s=1
